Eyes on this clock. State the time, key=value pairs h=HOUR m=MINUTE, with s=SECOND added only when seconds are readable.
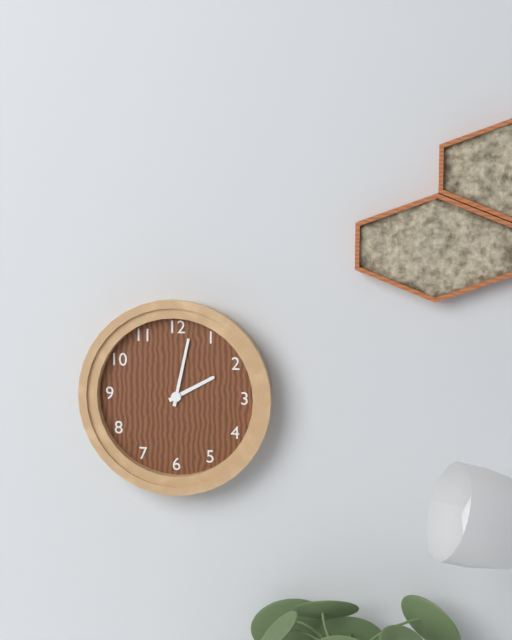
h=2 m=2
